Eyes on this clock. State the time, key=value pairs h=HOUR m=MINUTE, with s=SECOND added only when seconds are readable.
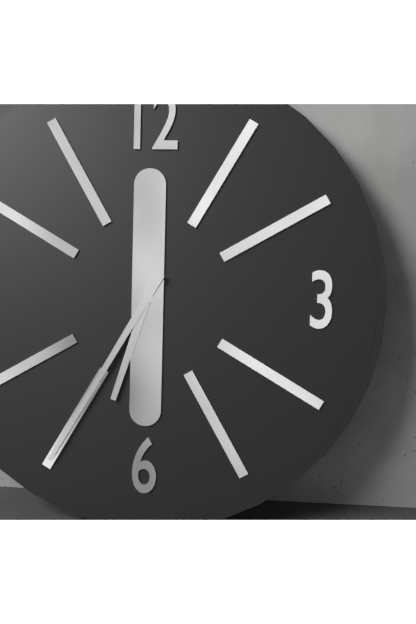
h=6 m=35
